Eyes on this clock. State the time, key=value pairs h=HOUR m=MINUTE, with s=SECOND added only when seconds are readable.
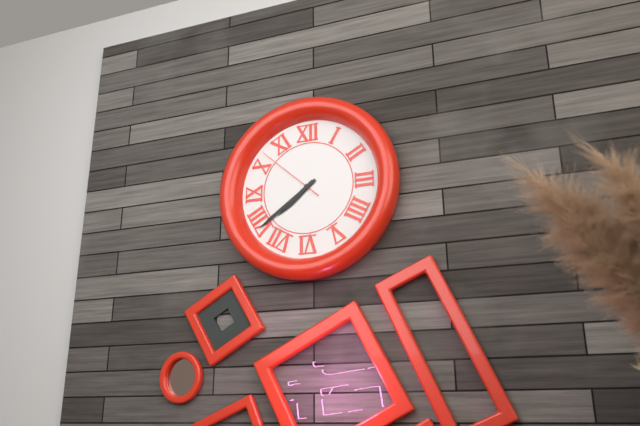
h=7 m=39 s=52
